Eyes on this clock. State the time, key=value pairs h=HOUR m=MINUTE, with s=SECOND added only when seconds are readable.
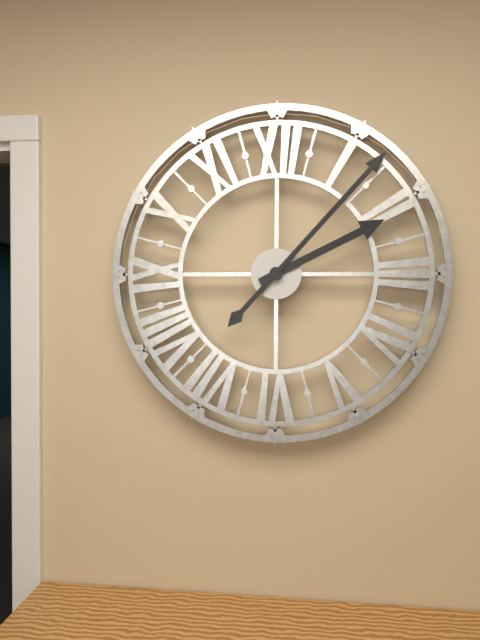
h=2 m=7
